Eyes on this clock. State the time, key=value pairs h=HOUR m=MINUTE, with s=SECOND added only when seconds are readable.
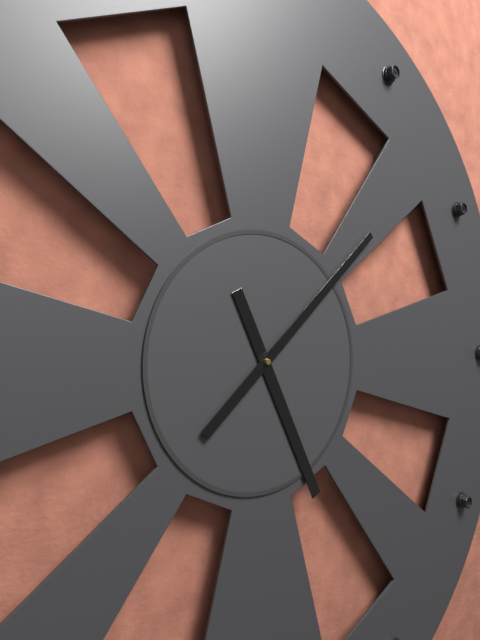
h=5 m=8
